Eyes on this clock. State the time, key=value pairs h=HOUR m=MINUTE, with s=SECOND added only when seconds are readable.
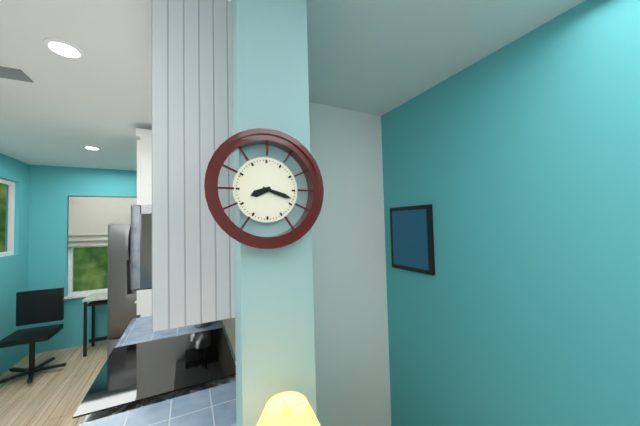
h=8 m=18
